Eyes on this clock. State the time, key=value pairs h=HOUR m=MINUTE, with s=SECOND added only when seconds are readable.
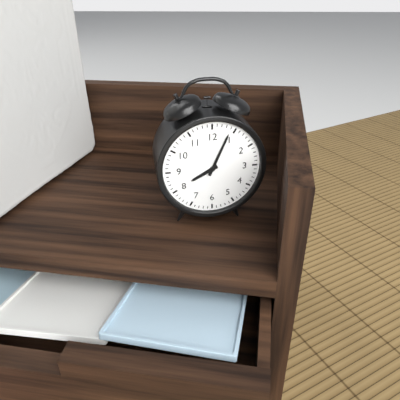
h=8 m=4
